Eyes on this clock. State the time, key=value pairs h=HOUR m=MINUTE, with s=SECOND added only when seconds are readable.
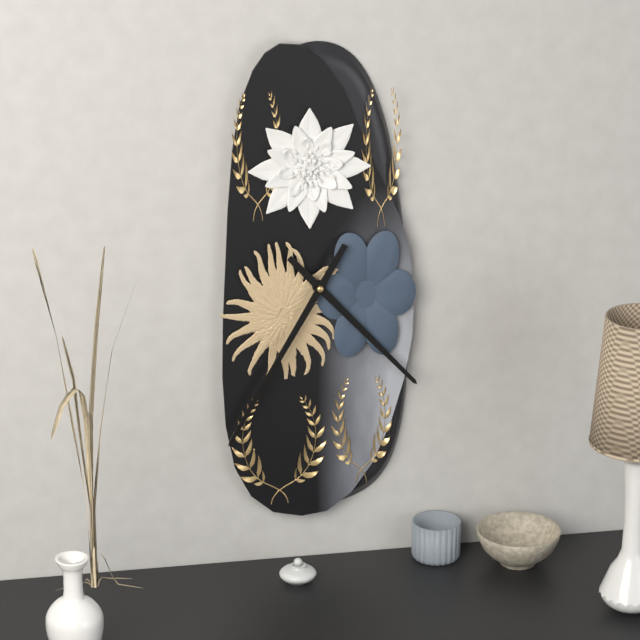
h=4 m=35
